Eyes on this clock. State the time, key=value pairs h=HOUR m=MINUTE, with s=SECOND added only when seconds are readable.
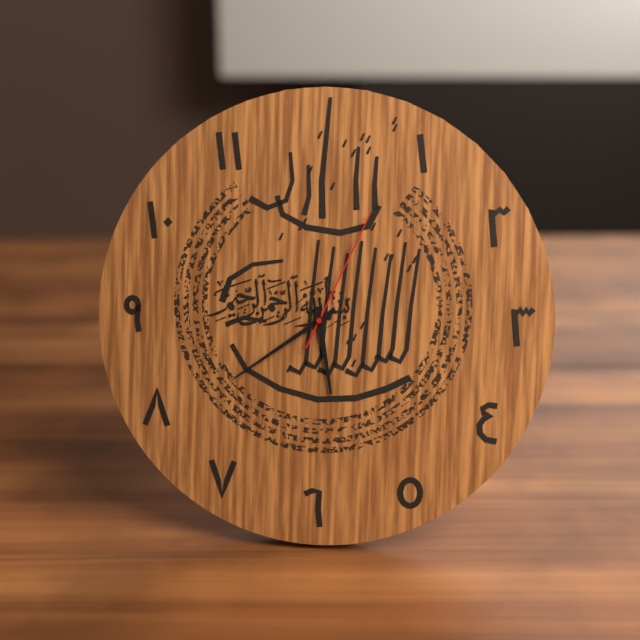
h=5 m=39 s=4
